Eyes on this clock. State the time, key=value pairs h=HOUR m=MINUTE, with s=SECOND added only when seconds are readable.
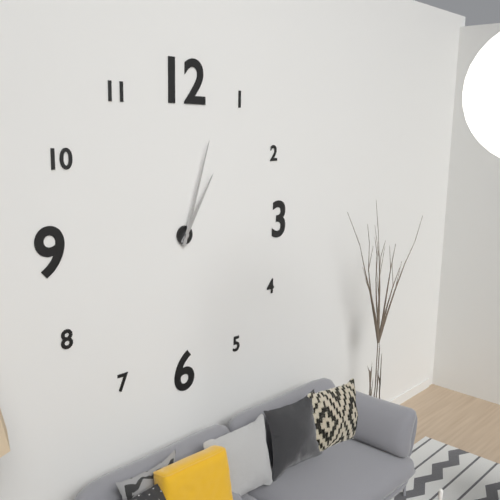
h=1 m=3
